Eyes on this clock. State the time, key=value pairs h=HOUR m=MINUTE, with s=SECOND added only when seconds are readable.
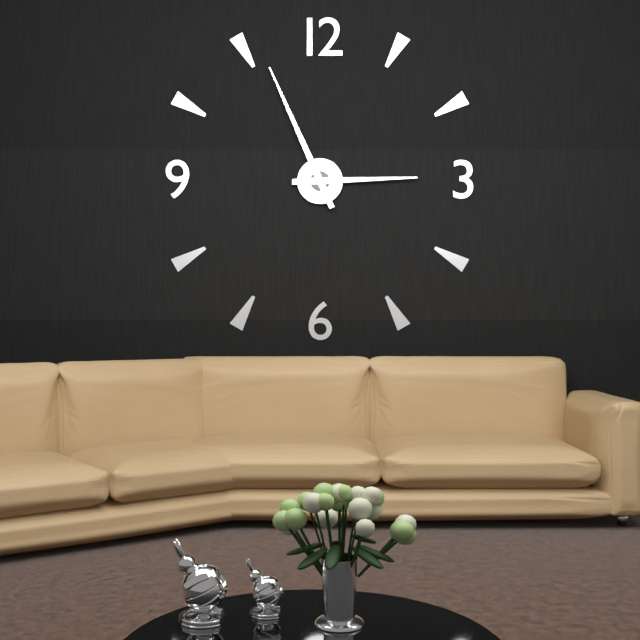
h=2 m=56
